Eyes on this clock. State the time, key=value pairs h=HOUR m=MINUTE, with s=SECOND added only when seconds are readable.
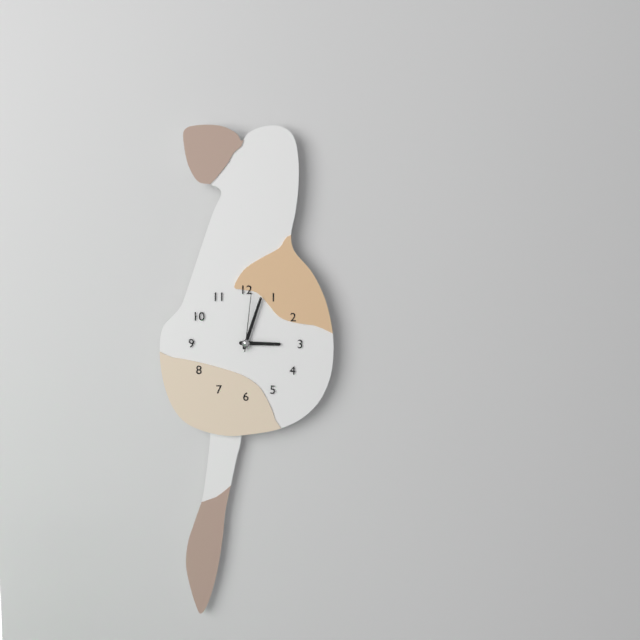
h=3 m=3 s=1
